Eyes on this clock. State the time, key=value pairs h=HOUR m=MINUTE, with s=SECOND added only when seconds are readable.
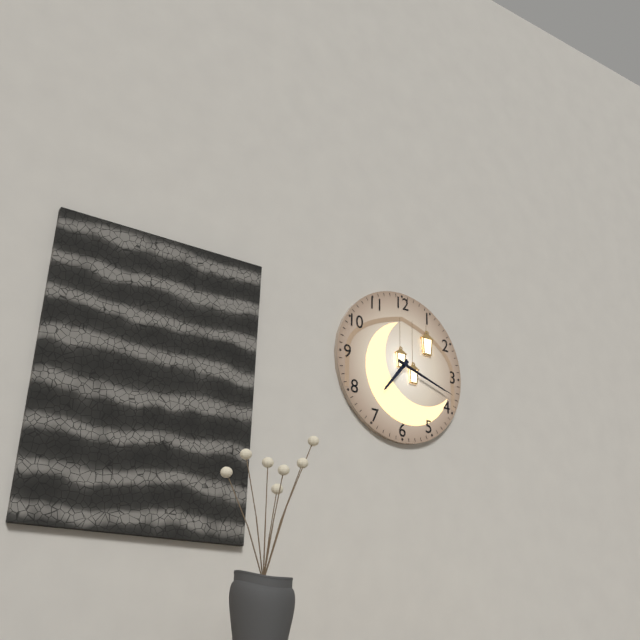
h=7 m=18 s=18
